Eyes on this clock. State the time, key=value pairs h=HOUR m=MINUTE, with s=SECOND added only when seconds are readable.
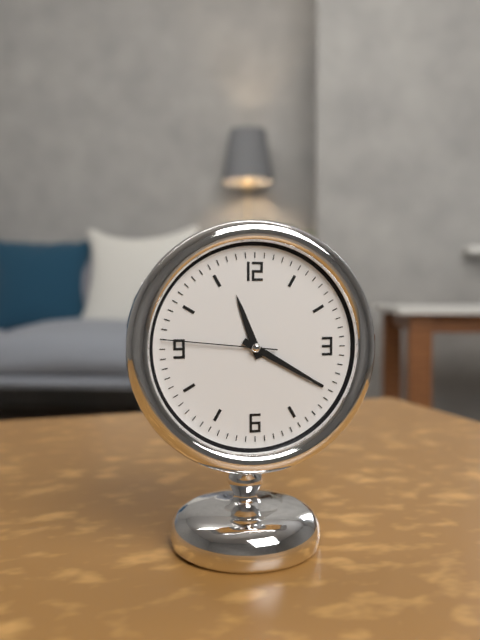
h=11 m=20 s=46
